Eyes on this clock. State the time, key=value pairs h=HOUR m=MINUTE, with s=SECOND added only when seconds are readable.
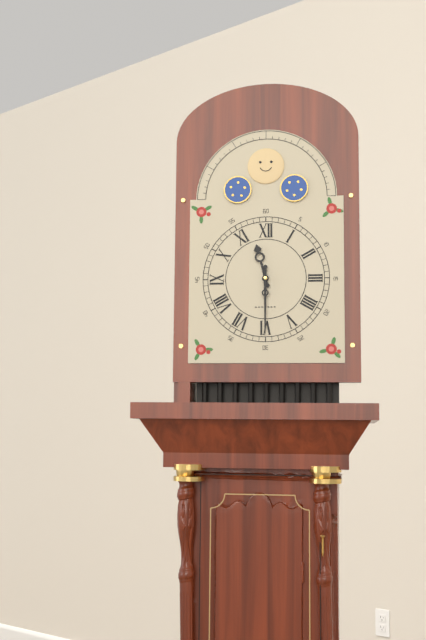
h=11 m=30
